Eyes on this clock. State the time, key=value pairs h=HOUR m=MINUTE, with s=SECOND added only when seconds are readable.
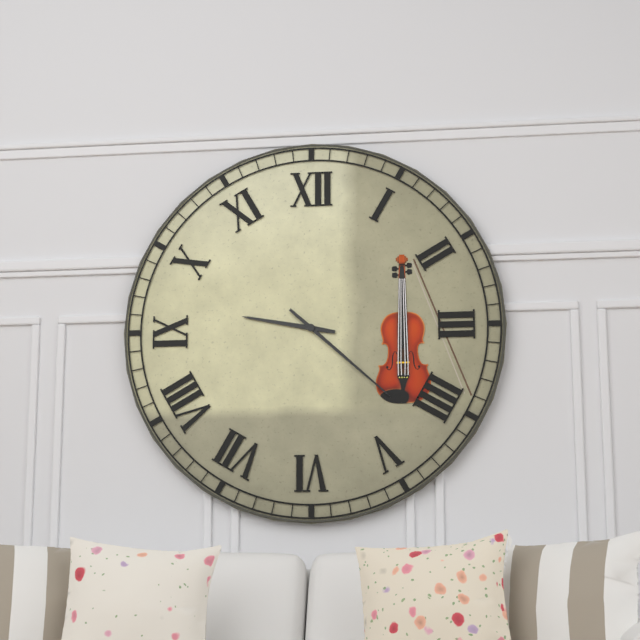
h=9 m=22
